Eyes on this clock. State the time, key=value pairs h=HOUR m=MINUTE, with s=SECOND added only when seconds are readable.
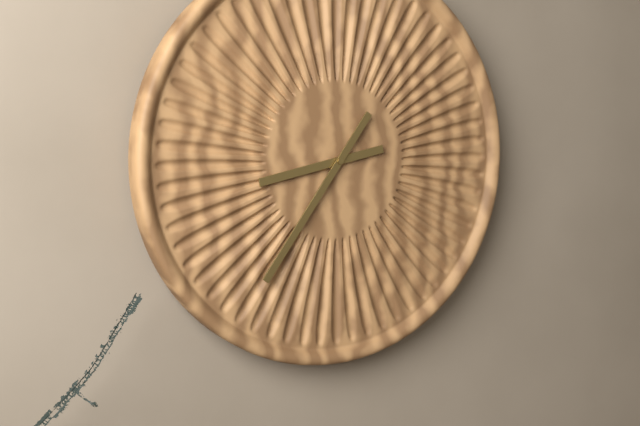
h=8 m=36
